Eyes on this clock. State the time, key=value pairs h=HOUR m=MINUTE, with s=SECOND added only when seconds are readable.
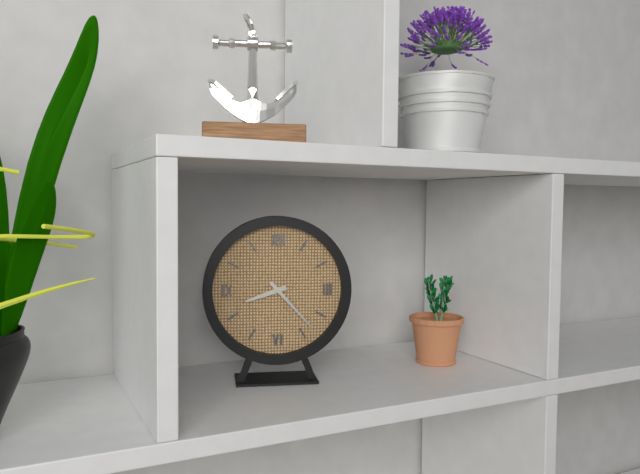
h=8 m=23
